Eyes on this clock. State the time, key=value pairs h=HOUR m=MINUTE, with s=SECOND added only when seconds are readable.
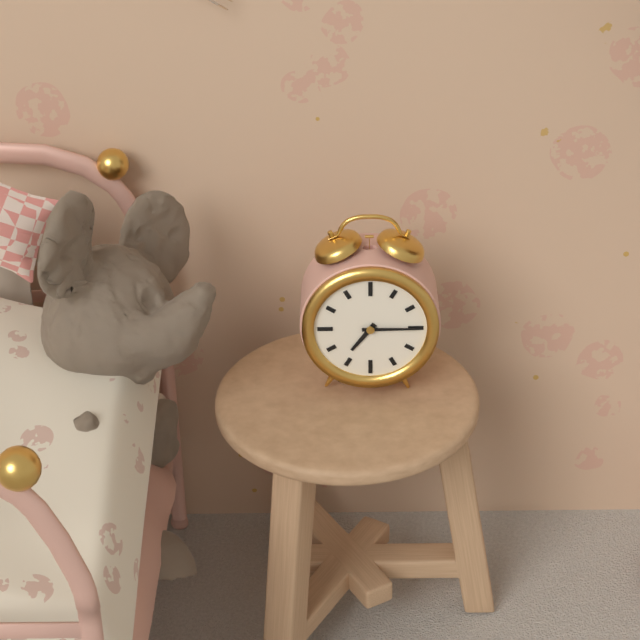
h=7 m=15
